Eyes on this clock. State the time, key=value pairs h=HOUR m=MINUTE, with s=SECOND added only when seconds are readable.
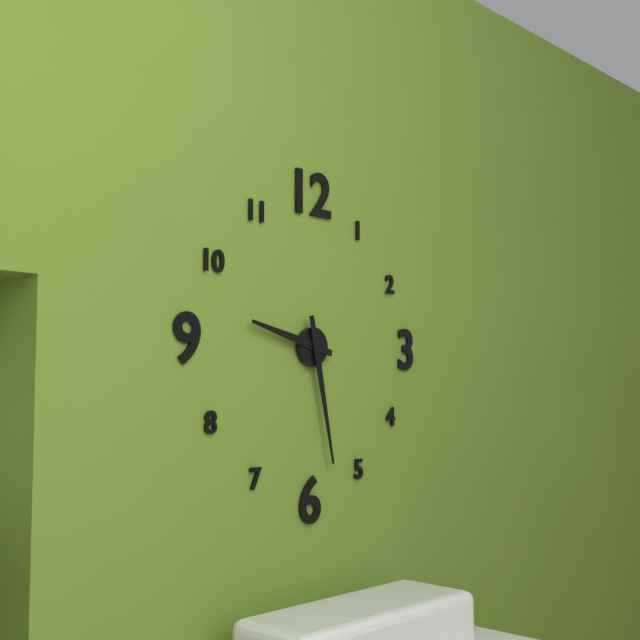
h=9 m=28
